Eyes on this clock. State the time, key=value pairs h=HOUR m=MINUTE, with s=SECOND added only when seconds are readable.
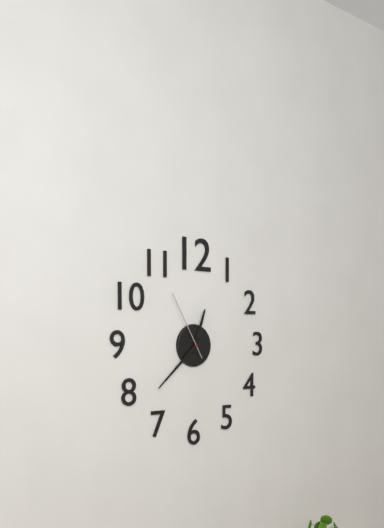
h=12 m=38 s=55
